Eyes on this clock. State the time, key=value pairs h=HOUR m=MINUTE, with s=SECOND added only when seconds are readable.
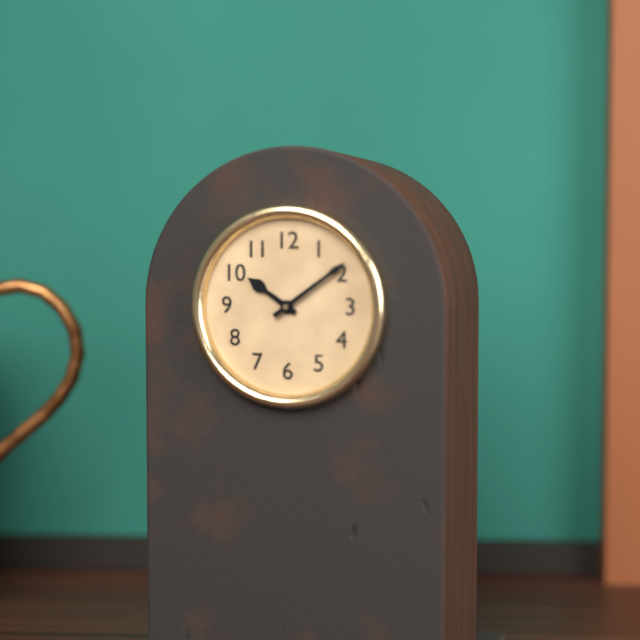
h=10 m=9
